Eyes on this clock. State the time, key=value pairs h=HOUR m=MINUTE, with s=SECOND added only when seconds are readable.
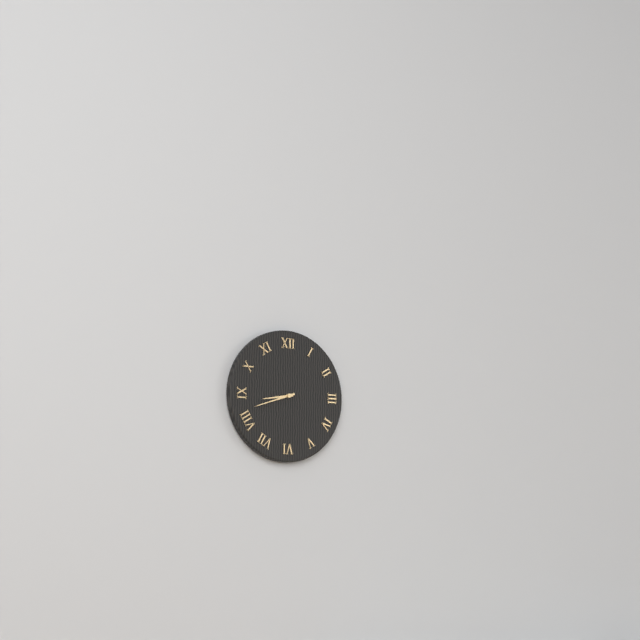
h=8 m=42
